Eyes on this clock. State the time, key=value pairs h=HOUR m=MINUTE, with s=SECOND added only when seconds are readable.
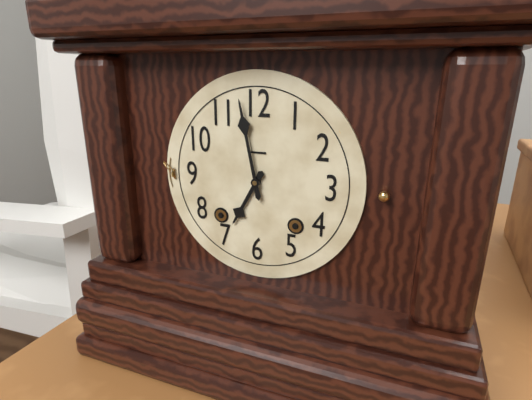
h=6 m=58
